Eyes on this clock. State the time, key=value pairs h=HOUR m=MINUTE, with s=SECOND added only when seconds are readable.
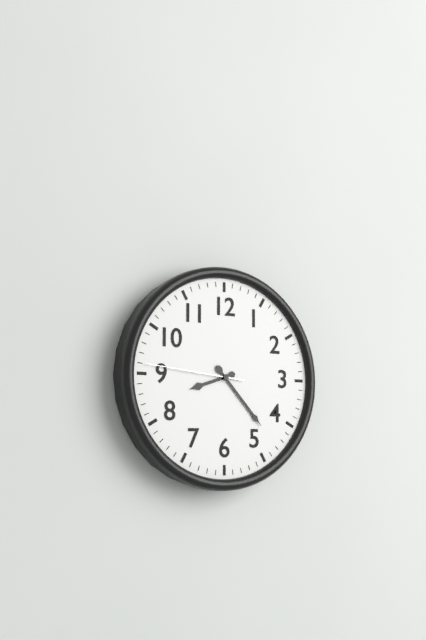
h=8 m=23 s=46
